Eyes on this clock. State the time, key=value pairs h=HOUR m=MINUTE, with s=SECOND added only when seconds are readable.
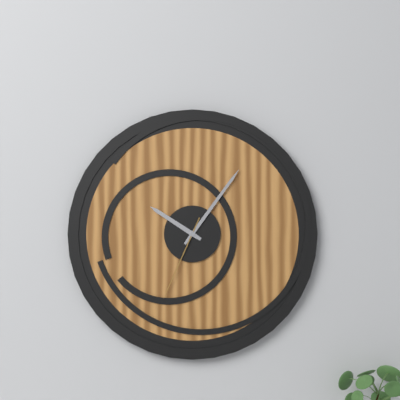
h=10 m=6 s=34
